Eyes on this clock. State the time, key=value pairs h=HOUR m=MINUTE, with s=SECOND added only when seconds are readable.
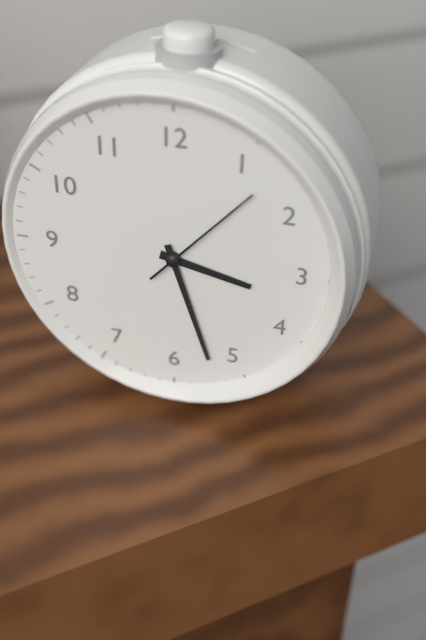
h=3 m=27 s=7
